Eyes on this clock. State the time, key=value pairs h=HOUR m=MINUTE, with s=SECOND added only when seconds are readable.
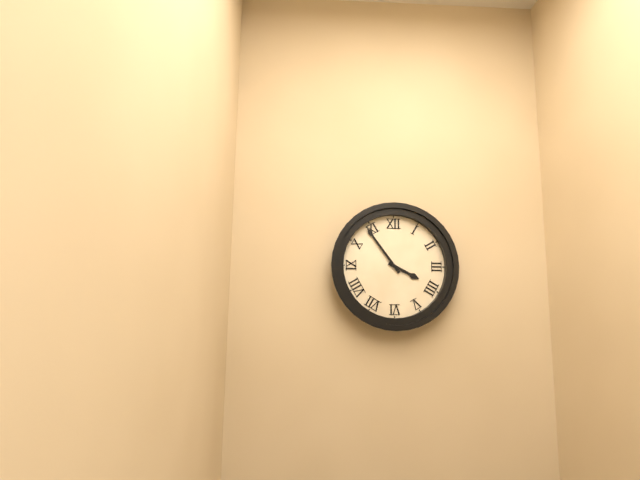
h=3 m=54
